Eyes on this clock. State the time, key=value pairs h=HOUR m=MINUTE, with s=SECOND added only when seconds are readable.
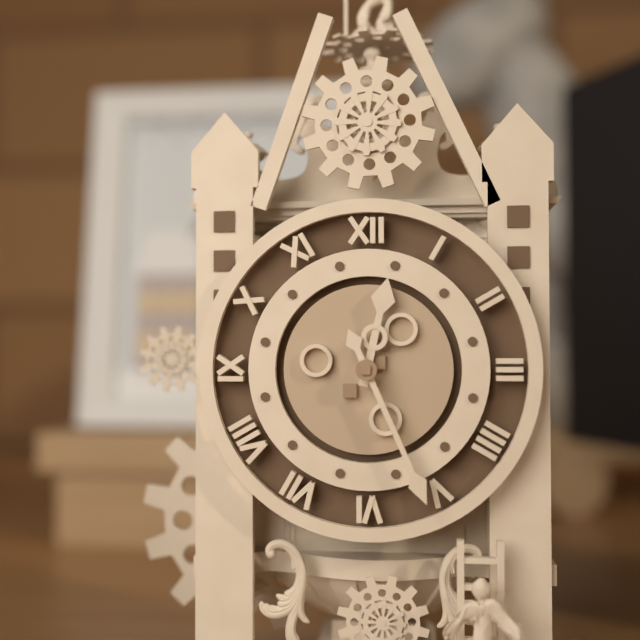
h=12 m=26
